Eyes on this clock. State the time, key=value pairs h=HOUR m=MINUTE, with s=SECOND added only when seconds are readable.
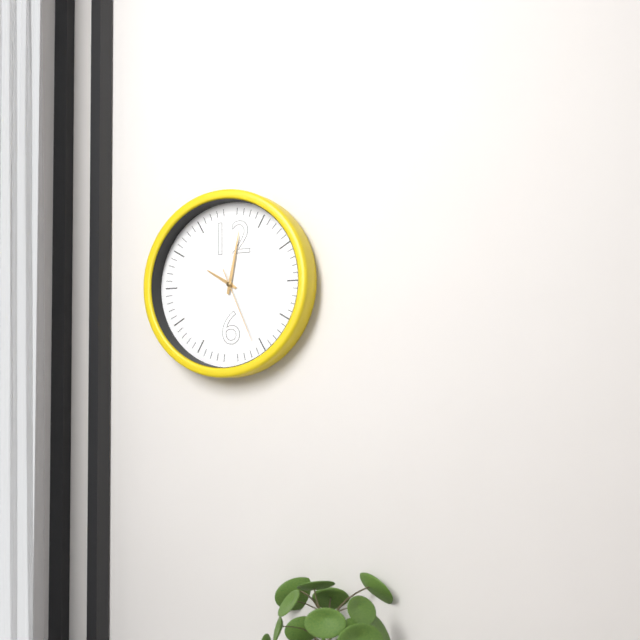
h=10 m=2 s=26
